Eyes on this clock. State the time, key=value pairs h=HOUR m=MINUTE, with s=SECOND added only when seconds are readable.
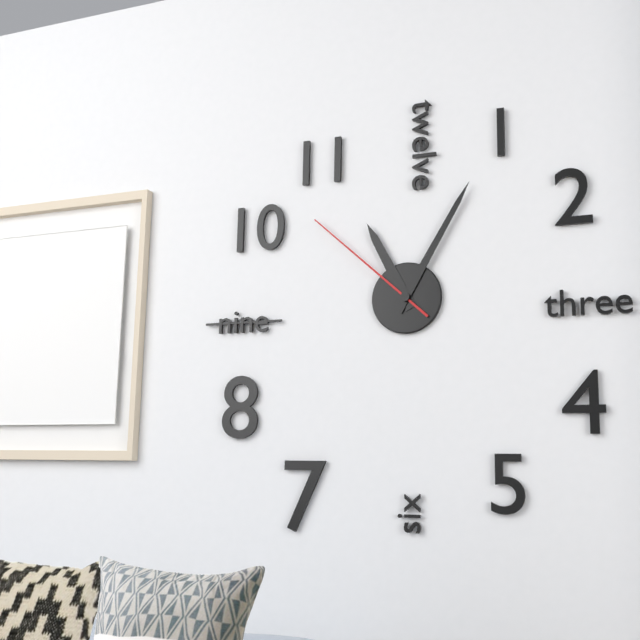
h=11 m=5 s=52
